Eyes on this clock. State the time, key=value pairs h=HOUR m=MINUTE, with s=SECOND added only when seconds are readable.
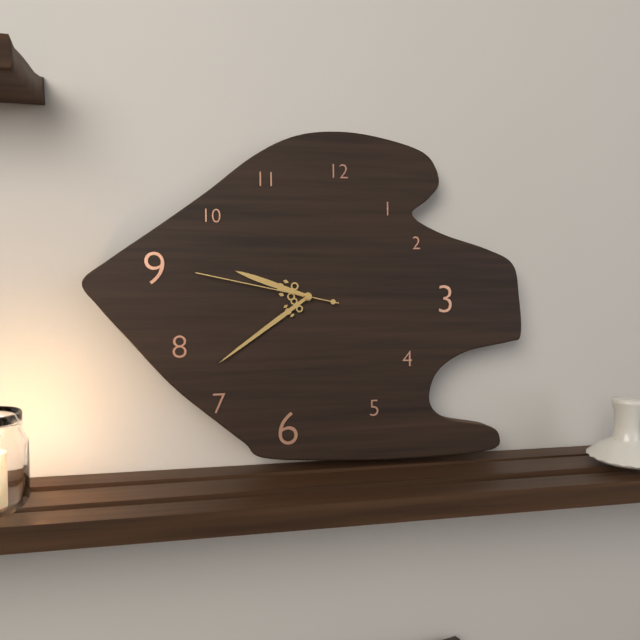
h=9 m=39 s=47
